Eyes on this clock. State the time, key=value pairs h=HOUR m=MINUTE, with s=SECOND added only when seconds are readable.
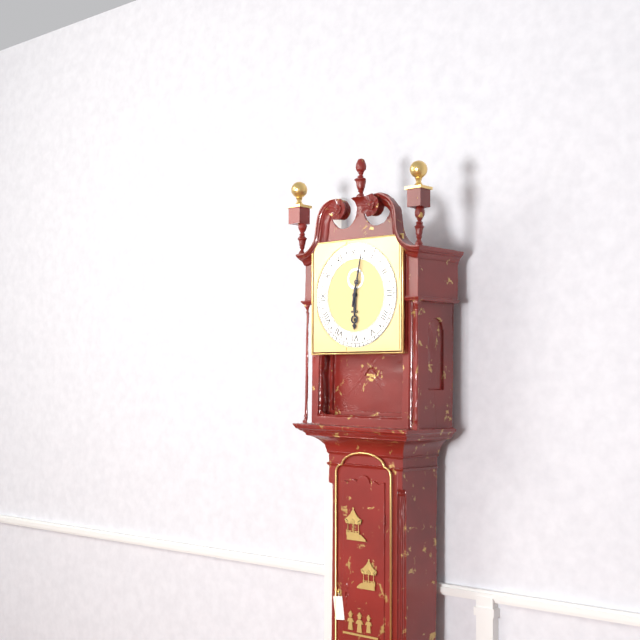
h=6 m=2
